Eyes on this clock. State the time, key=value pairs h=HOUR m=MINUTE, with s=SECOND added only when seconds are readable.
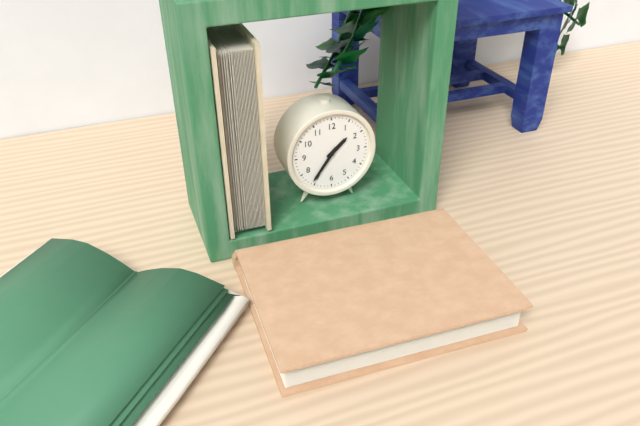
h=1 m=36
